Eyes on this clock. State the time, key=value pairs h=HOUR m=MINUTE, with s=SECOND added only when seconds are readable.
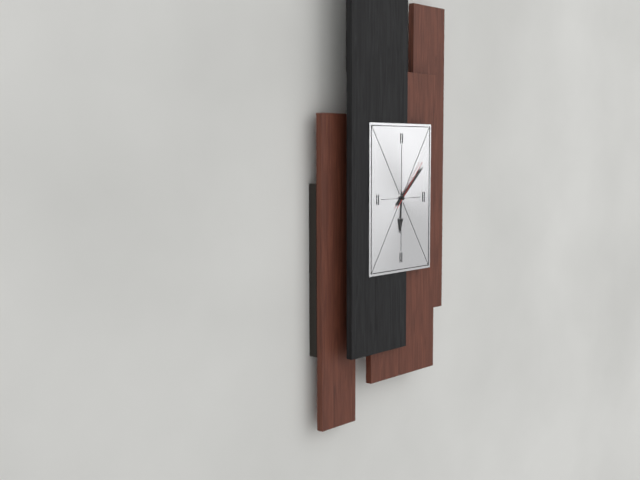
h=6 m=8 s=7
